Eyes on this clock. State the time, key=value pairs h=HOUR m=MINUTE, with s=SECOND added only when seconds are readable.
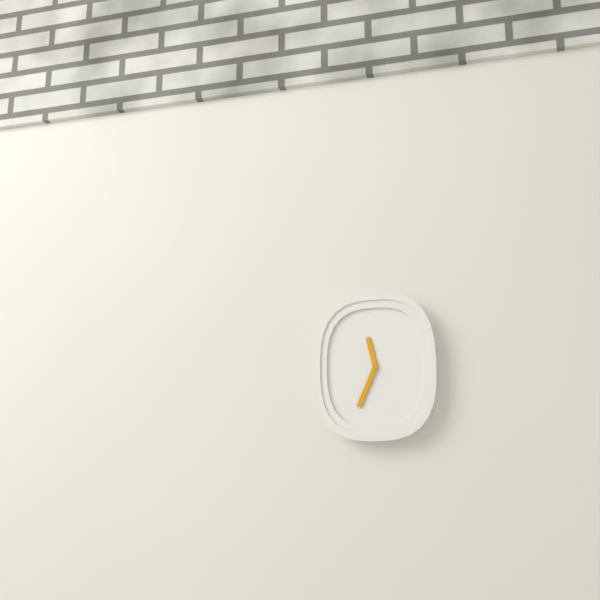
h=11 m=34
